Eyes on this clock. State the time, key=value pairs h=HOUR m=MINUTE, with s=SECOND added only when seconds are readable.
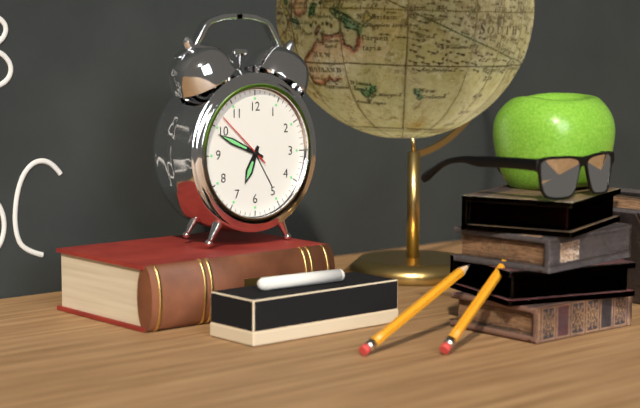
h=6 m=49 s=52
